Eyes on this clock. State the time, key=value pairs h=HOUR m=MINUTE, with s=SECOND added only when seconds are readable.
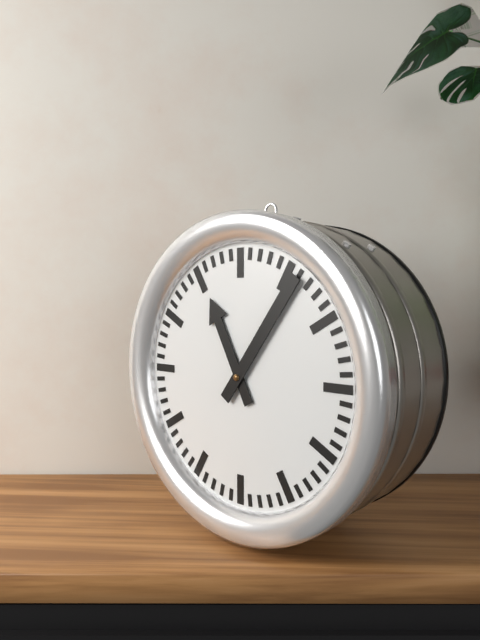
h=11 m=6
